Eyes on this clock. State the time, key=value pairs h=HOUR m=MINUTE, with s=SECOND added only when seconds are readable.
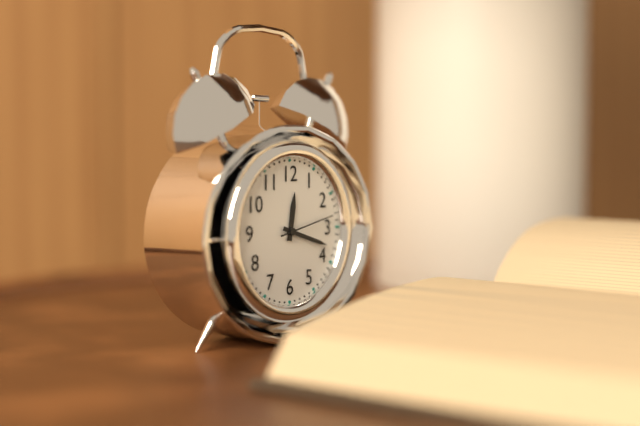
h=12 m=18 s=13
